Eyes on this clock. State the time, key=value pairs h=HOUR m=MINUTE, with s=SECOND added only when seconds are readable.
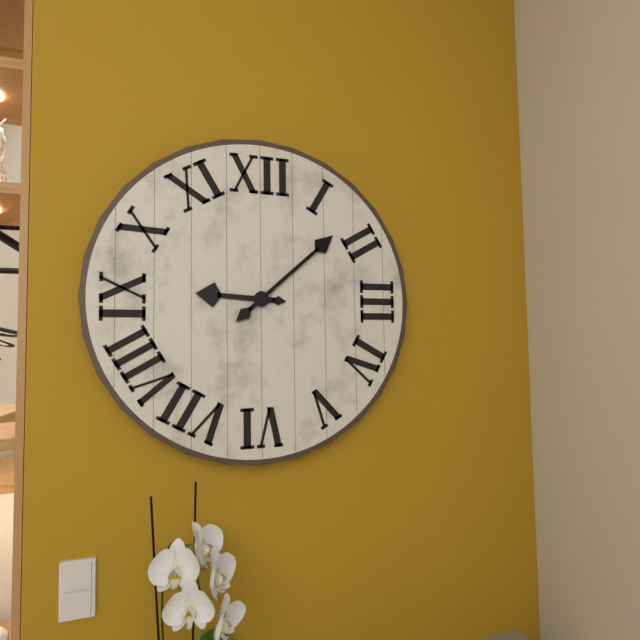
h=9 m=8
